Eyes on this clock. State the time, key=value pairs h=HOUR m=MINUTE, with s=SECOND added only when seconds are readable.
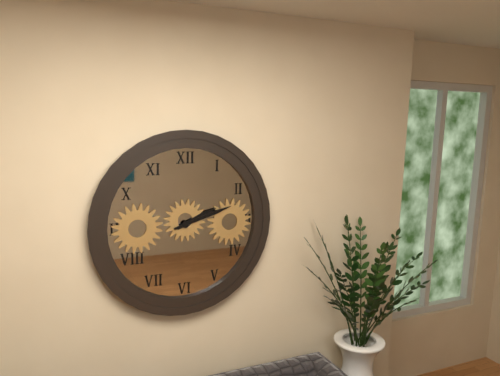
h=2 m=12
